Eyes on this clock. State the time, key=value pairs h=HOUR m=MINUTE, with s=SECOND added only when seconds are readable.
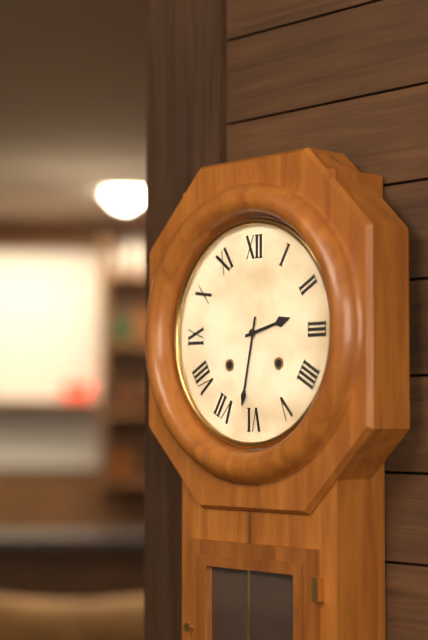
h=2 m=32
